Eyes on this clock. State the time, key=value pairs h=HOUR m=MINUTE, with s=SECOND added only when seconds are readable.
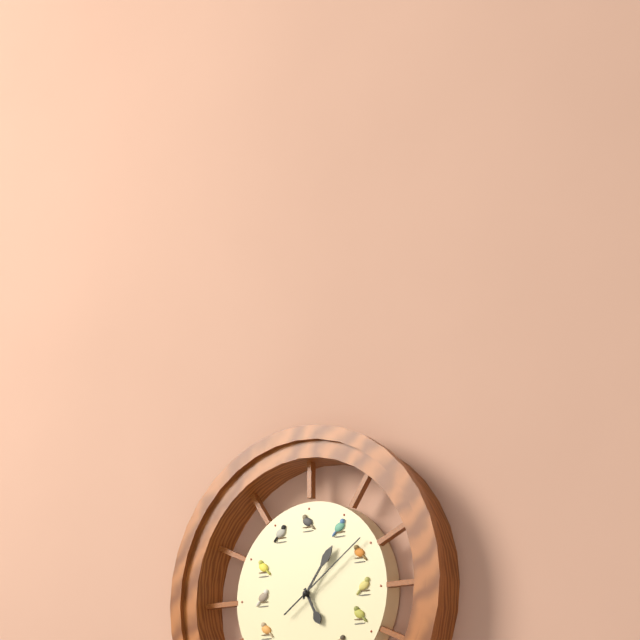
h=5 m=6 s=9
